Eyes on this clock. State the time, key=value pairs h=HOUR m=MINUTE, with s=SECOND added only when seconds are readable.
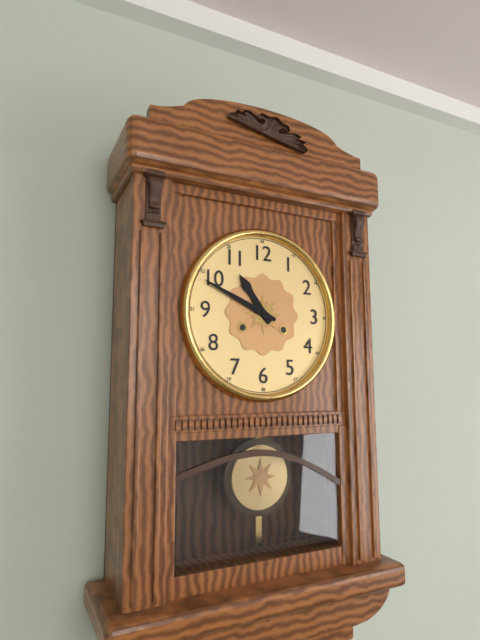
h=10 m=49
